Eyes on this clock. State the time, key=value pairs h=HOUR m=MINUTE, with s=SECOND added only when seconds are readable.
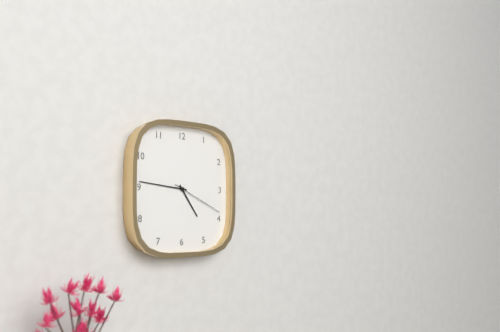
h=4 m=46 s=19
